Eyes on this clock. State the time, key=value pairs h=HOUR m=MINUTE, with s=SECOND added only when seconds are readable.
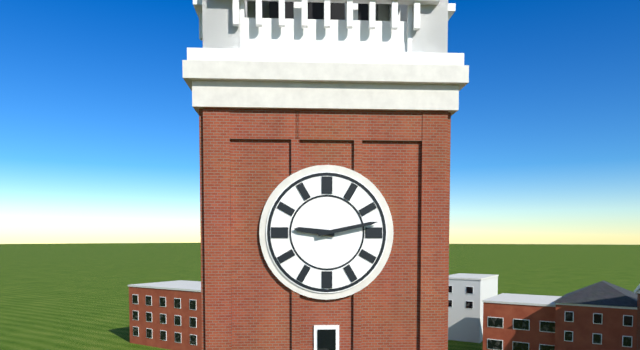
h=9 m=13
